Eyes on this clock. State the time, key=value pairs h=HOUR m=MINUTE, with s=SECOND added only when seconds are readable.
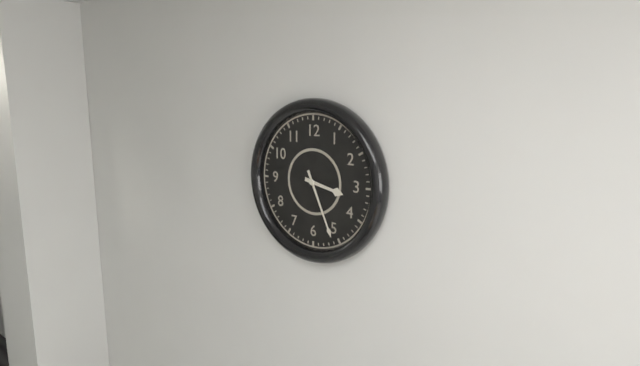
h=3 m=26
